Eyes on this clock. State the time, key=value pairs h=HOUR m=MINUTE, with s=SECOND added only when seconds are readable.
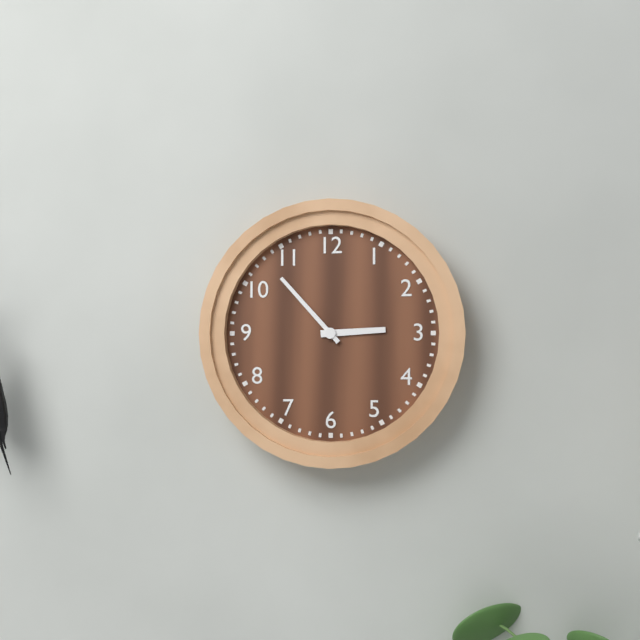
h=2 m=53
